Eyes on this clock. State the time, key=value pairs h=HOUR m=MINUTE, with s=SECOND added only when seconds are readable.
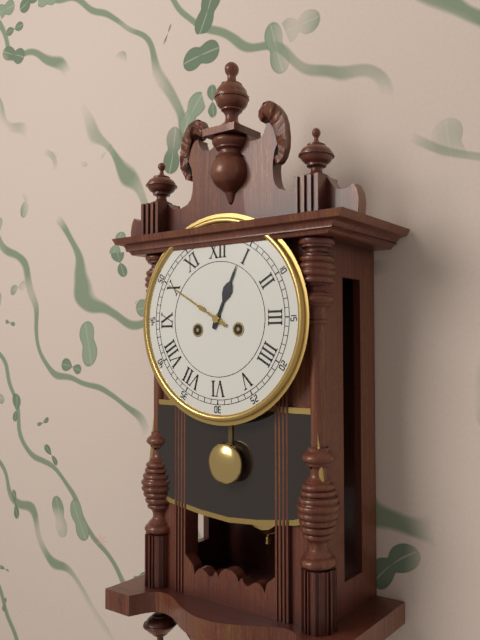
h=12 m=50
